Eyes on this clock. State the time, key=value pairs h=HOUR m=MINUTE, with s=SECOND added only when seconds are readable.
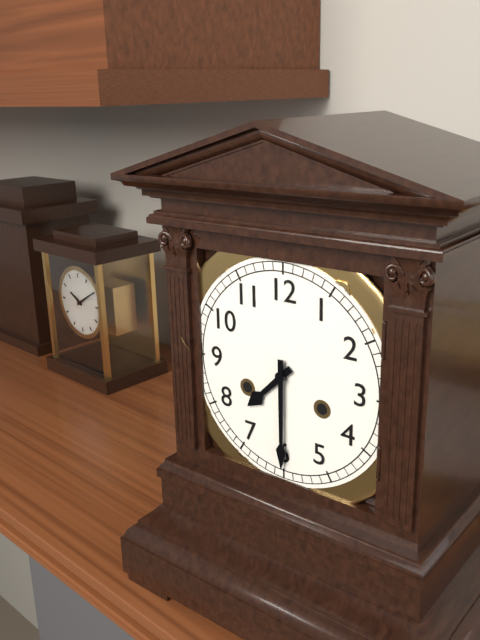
h=7 m=30
